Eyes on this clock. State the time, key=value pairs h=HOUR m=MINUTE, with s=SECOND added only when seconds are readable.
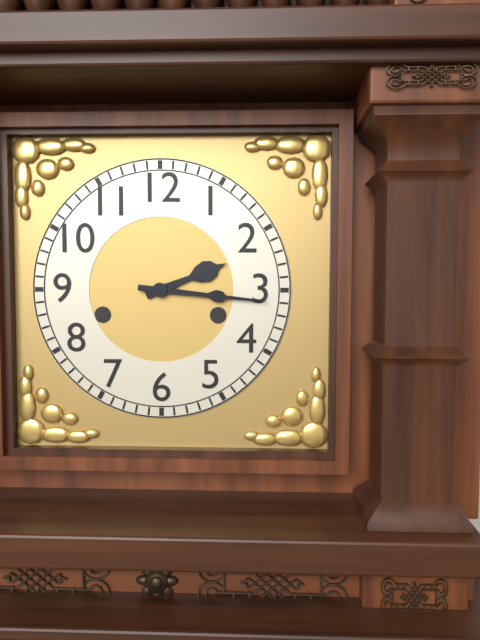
h=2 m=16
